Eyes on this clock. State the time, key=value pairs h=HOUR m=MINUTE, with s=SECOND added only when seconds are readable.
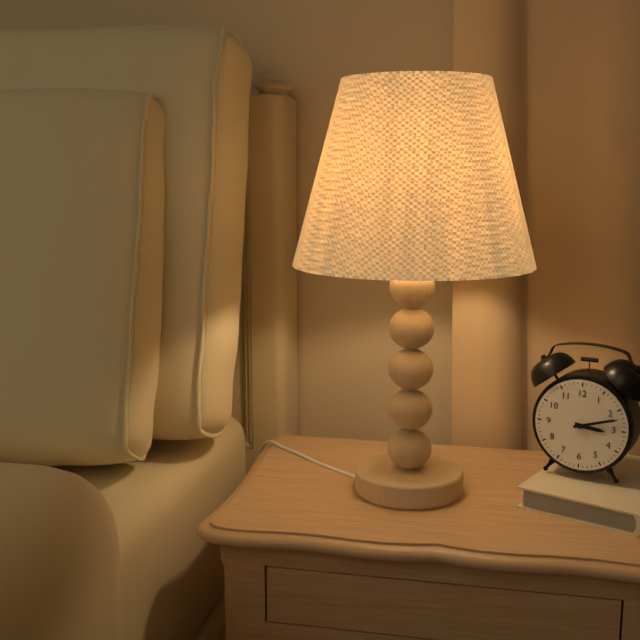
h=3 m=12
